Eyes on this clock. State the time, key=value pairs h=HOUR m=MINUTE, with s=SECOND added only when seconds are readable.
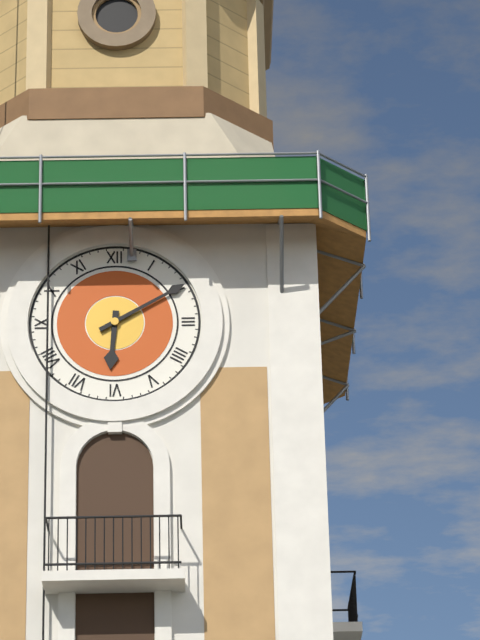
h=6 m=10
